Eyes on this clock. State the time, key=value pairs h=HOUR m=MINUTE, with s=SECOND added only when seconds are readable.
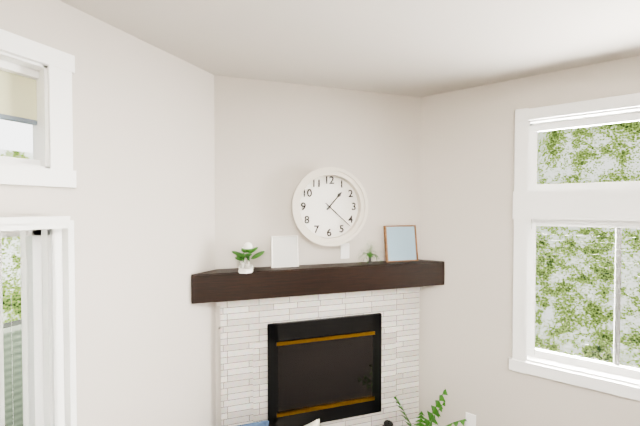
h=1 m=22
